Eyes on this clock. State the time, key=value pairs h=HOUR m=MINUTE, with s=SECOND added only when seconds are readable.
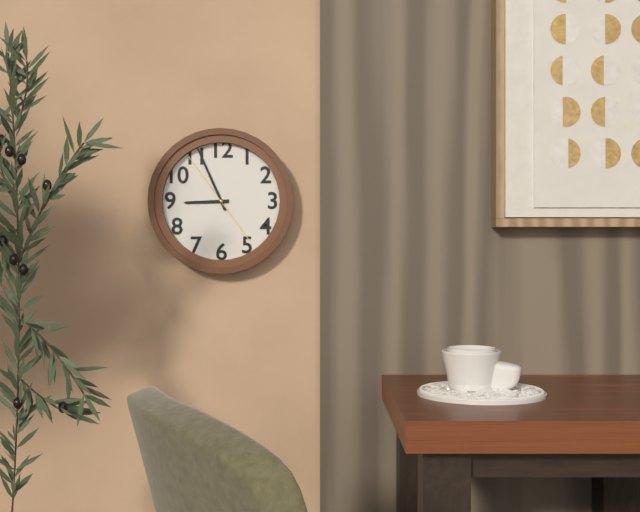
h=8 m=56 s=54
